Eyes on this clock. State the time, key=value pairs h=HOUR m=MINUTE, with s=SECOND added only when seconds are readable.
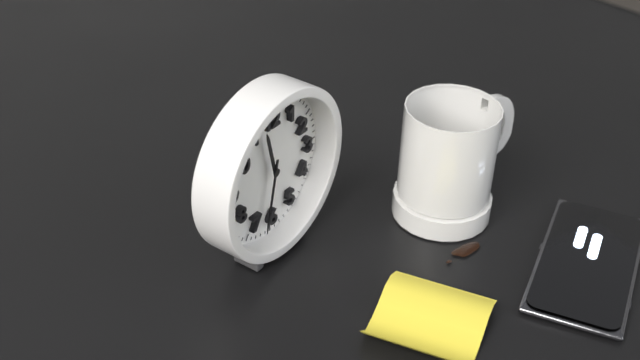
h=11 m=32
